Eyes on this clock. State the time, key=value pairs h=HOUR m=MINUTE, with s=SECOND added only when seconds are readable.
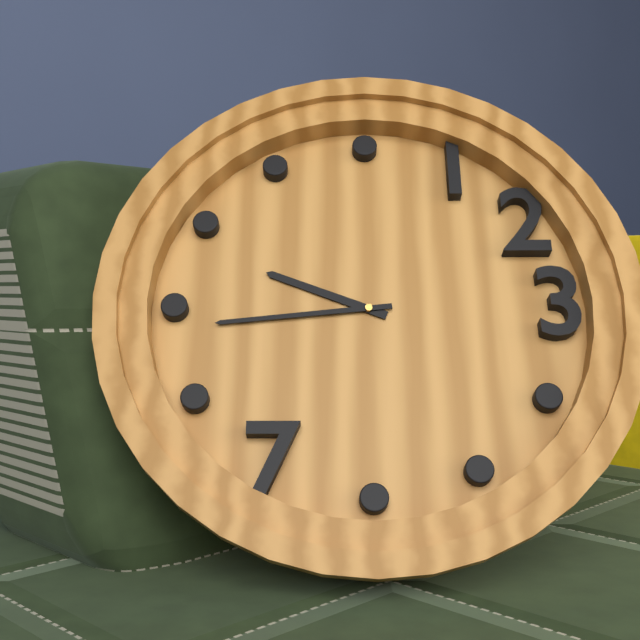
h=9 m=44
